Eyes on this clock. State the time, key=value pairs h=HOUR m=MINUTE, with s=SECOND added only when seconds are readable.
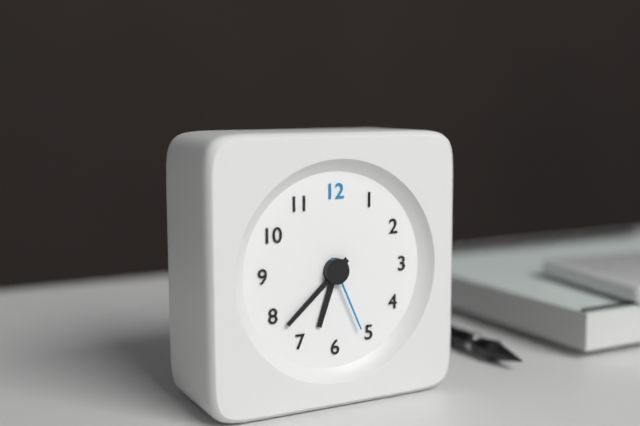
h=6 m=38 s=26
